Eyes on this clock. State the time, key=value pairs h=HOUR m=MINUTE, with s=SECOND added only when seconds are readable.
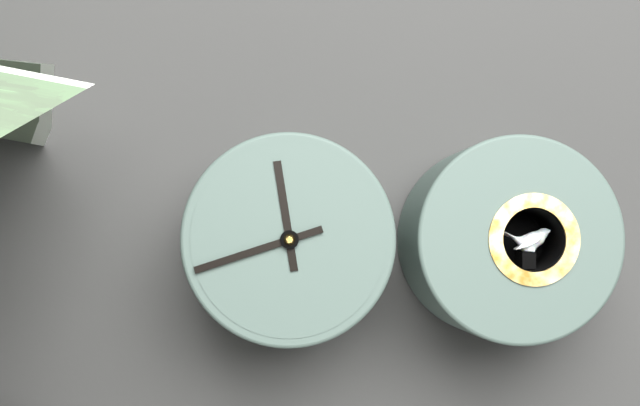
h=11 m=42
